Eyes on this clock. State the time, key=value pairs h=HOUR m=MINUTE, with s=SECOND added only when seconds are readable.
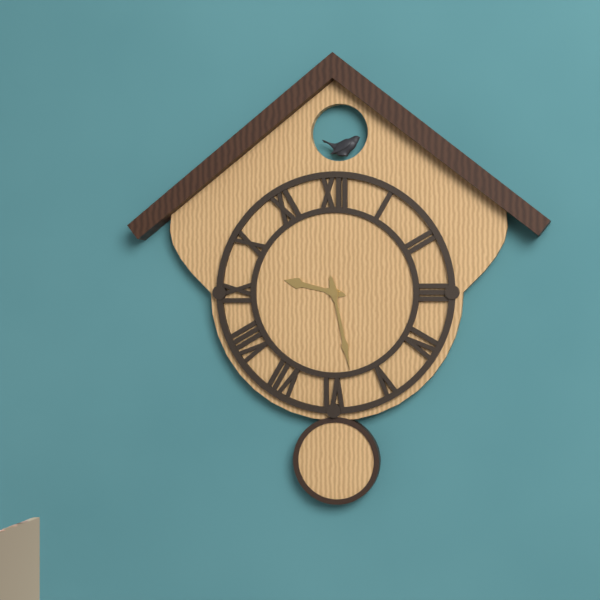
h=9 m=28
